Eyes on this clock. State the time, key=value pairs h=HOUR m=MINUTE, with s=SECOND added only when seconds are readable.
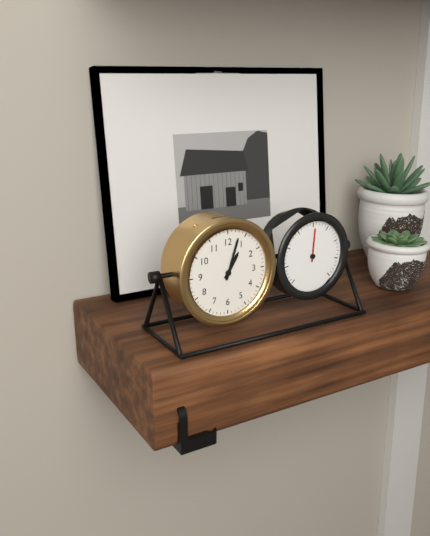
h=1 m=3
